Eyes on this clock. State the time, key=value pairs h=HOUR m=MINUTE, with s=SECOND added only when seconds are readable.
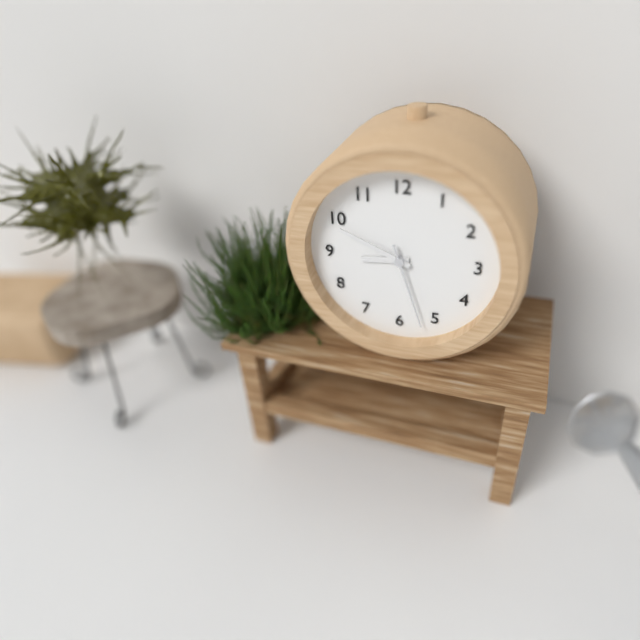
h=8 m=49 s=27
